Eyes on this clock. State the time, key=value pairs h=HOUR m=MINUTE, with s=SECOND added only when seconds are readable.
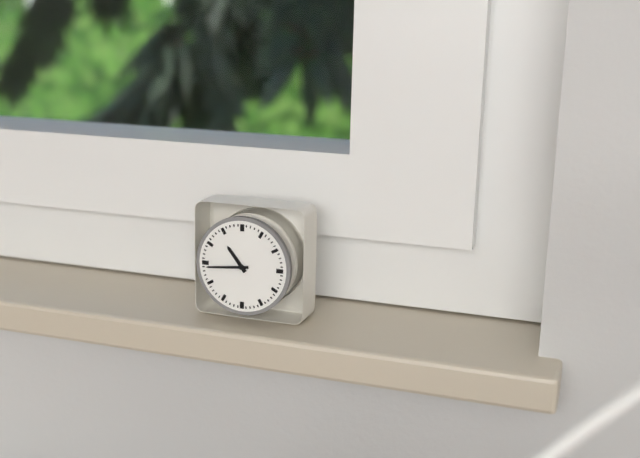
h=10 m=44
